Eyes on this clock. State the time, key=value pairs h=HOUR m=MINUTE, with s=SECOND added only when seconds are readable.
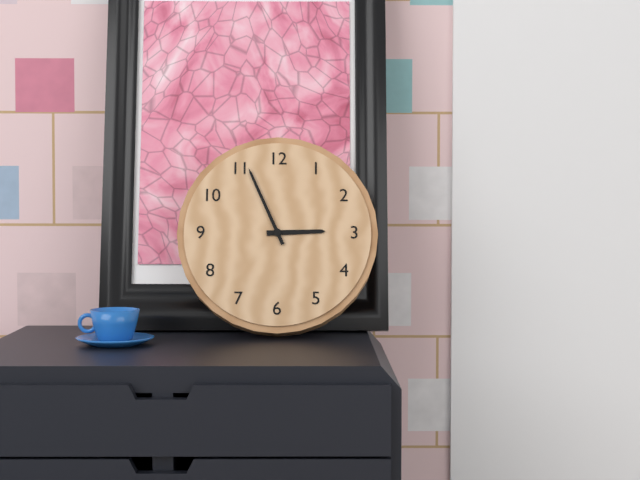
h=2 m=56
